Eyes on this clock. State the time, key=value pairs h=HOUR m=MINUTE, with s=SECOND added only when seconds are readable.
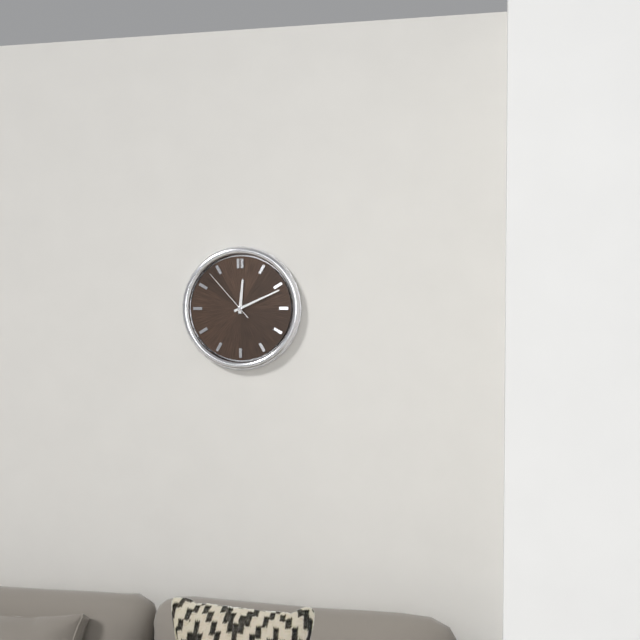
h=12 m=11 s=53
